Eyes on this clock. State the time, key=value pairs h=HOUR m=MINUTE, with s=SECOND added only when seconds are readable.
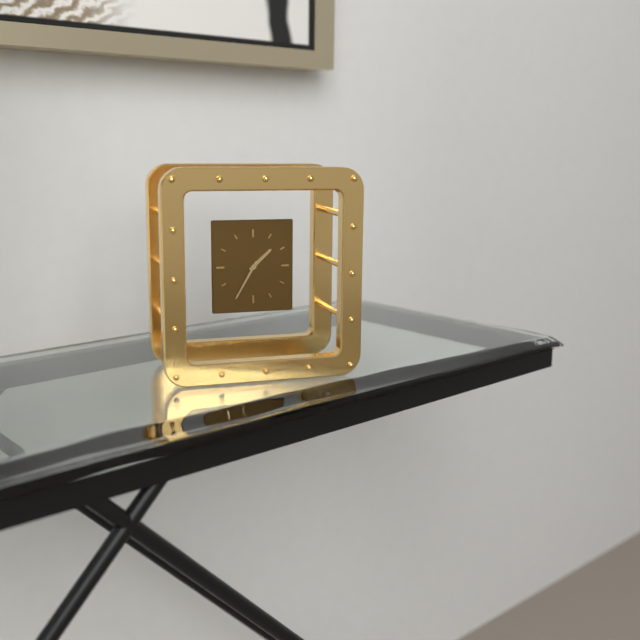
h=1 m=35
